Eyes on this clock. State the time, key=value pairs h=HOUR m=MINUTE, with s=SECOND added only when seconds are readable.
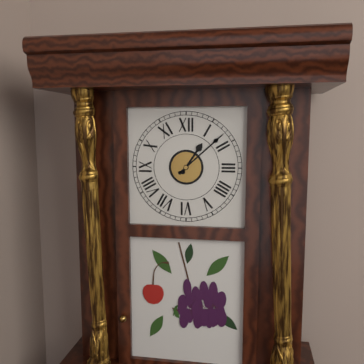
h=1 m=8
